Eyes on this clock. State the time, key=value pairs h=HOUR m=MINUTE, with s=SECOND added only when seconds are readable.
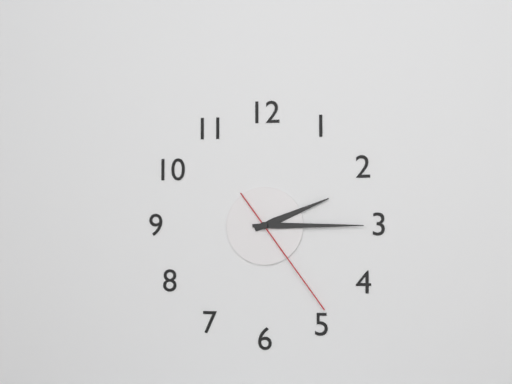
h=2 m=15 s=24
